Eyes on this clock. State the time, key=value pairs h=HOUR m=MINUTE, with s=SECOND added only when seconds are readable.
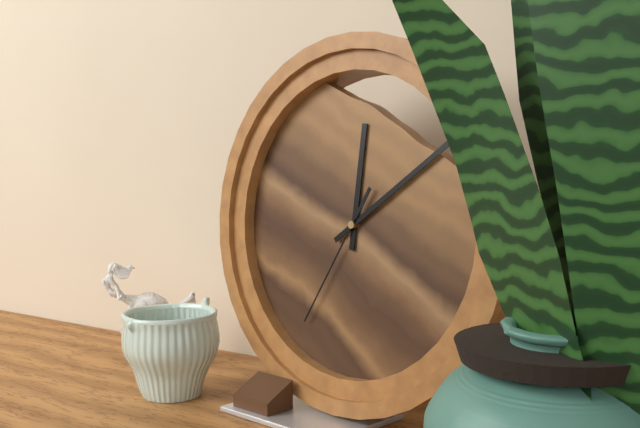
h=12 m=9 s=35
